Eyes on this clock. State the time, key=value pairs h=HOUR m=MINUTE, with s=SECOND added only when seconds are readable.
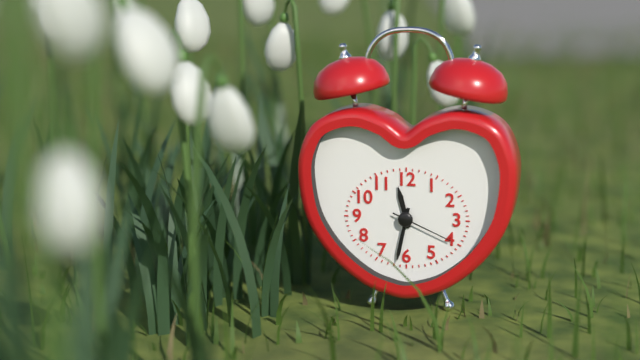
h=11 m=32 s=19
